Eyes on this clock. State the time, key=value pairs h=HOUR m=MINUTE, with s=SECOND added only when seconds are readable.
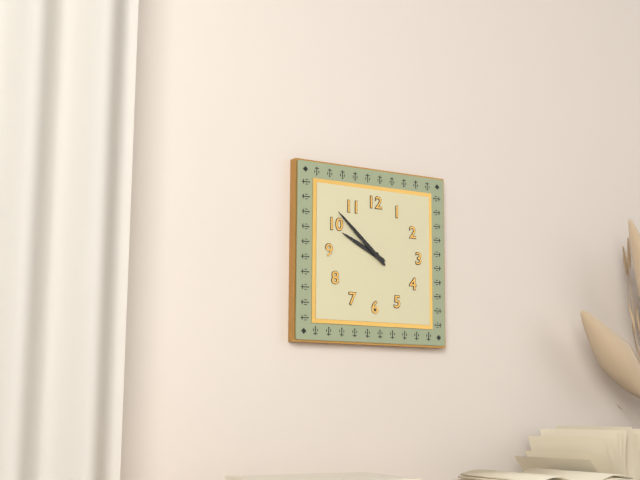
h=9 m=52
